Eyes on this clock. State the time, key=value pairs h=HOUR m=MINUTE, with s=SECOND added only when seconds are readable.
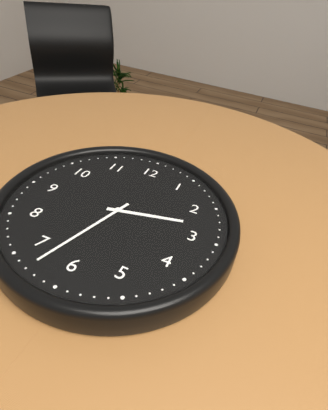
h=2 m=33
